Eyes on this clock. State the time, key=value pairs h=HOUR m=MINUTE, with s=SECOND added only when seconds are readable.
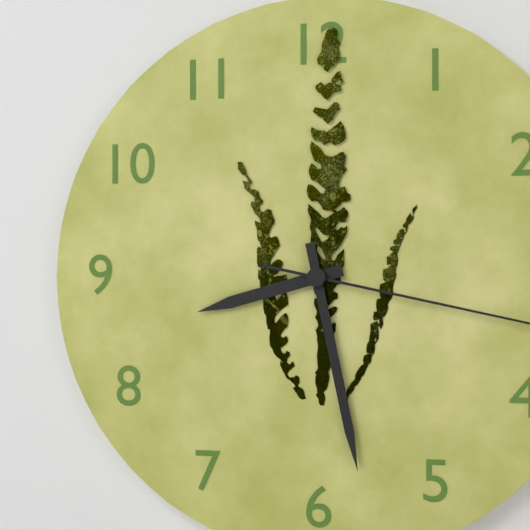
h=8 m=28
